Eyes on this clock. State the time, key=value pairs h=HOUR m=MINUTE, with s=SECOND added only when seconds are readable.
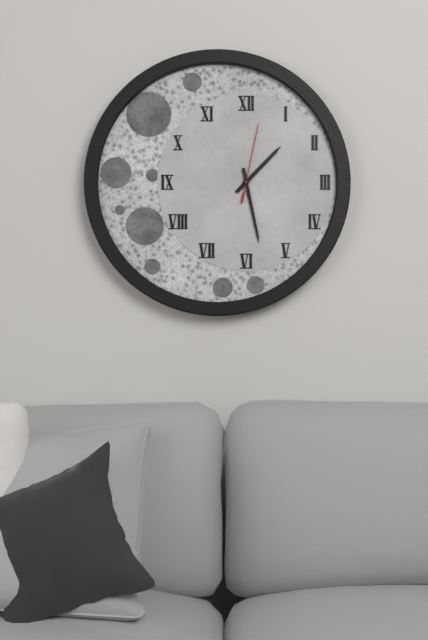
h=1 m=28 s=2
